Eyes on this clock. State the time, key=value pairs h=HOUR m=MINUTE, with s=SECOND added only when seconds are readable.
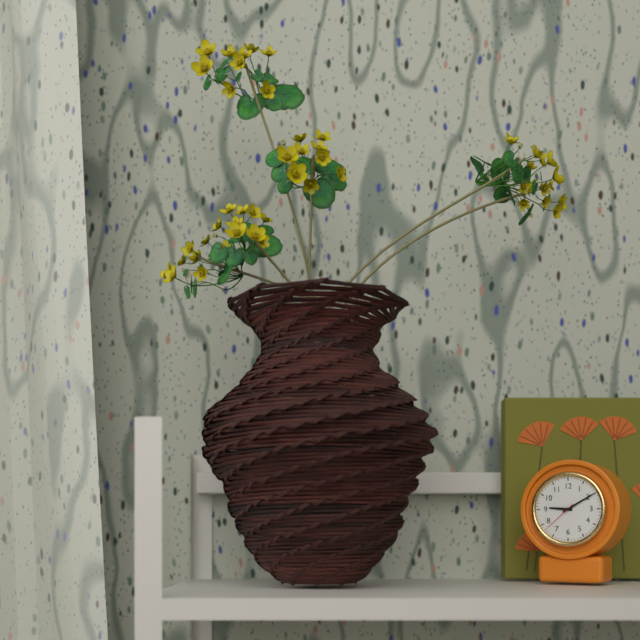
h=9 m=10
